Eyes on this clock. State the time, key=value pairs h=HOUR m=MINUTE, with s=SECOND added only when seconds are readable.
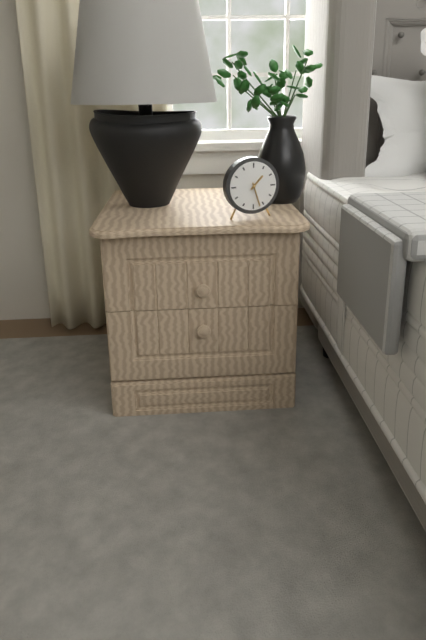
h=1 m=27
